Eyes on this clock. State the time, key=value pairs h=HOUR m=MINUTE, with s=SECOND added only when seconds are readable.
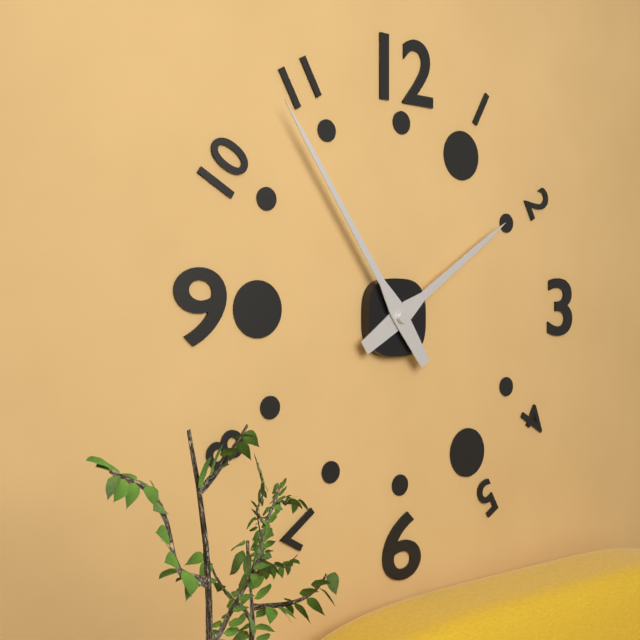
h=1 m=54
